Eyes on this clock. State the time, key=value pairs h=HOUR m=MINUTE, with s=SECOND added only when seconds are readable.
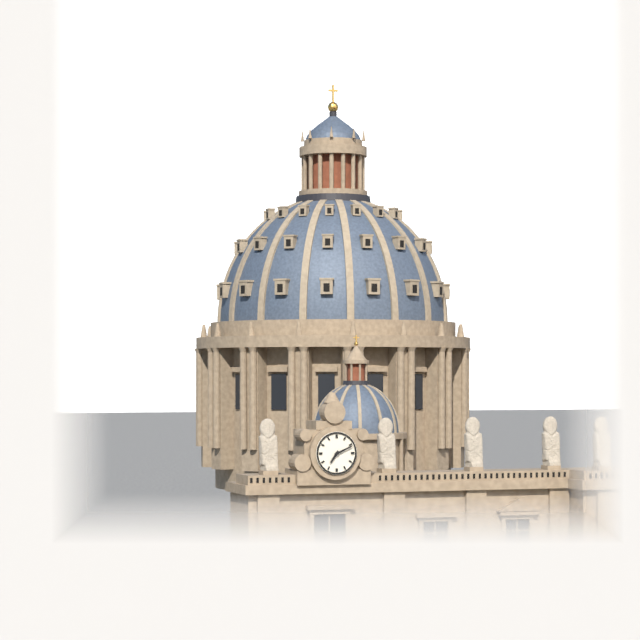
h=7 m=11
